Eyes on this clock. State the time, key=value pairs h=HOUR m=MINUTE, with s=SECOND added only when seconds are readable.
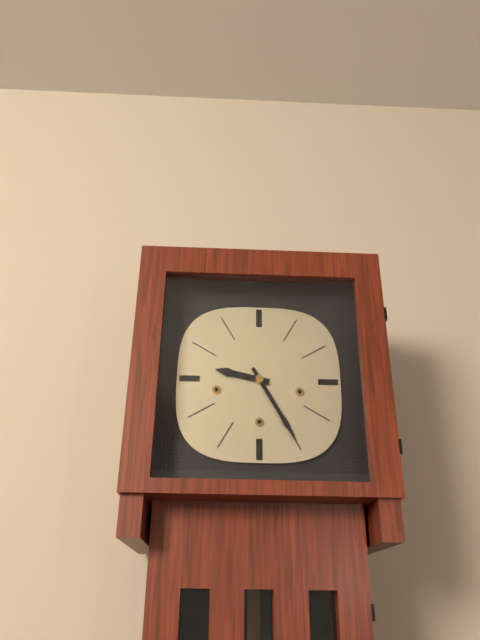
h=9 m=25
